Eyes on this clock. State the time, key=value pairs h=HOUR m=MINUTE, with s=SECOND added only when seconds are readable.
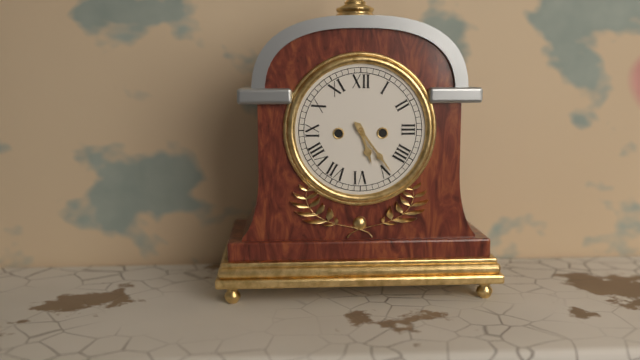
h=5 m=24
